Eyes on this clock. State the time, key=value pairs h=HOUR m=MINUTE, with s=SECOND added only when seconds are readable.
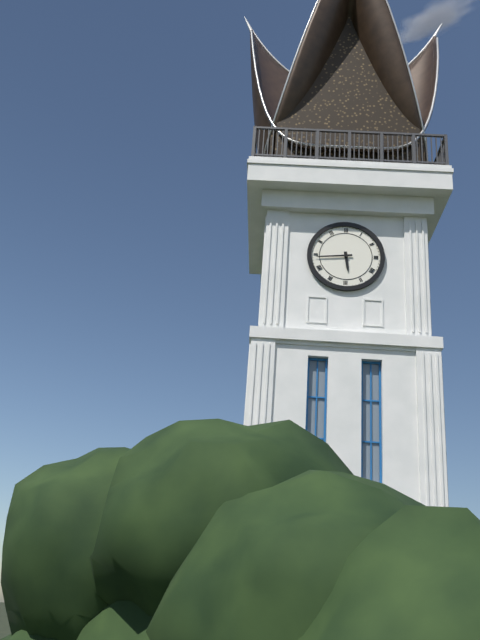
h=5 m=44
